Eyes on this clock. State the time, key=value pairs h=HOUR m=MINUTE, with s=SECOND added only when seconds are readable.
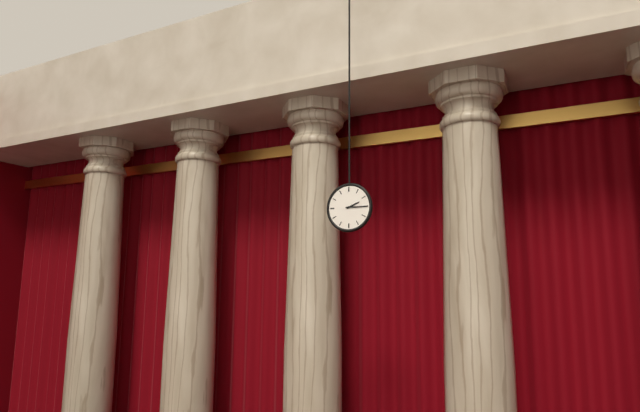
h=2 m=15
